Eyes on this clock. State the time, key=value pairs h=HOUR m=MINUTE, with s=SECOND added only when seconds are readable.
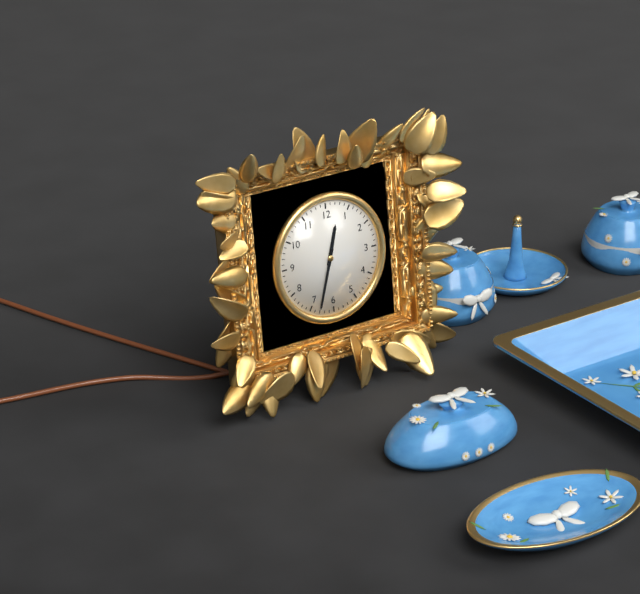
h=12 m=33
